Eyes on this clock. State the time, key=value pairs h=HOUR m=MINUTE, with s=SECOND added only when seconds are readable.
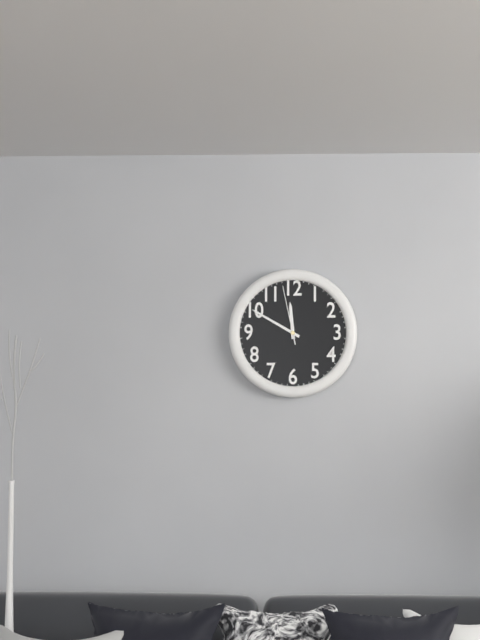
h=11 m=50 s=58
